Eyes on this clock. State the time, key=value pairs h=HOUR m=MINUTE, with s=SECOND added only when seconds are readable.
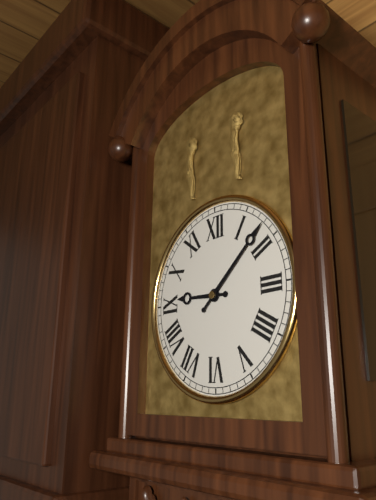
h=9 m=8
